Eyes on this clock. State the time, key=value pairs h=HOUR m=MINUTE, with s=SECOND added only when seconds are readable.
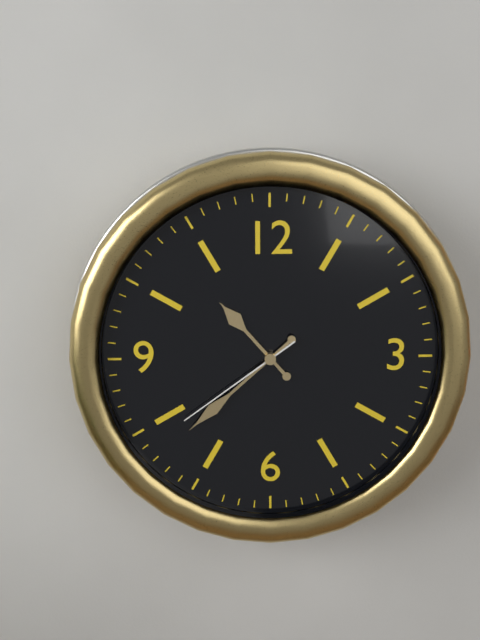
h=10 m=38 s=39
